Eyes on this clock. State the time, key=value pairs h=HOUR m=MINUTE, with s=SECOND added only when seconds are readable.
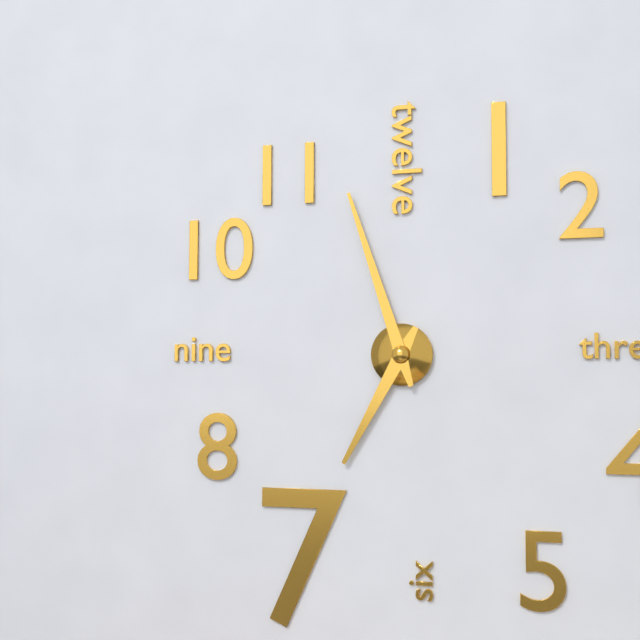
h=6 m=57
